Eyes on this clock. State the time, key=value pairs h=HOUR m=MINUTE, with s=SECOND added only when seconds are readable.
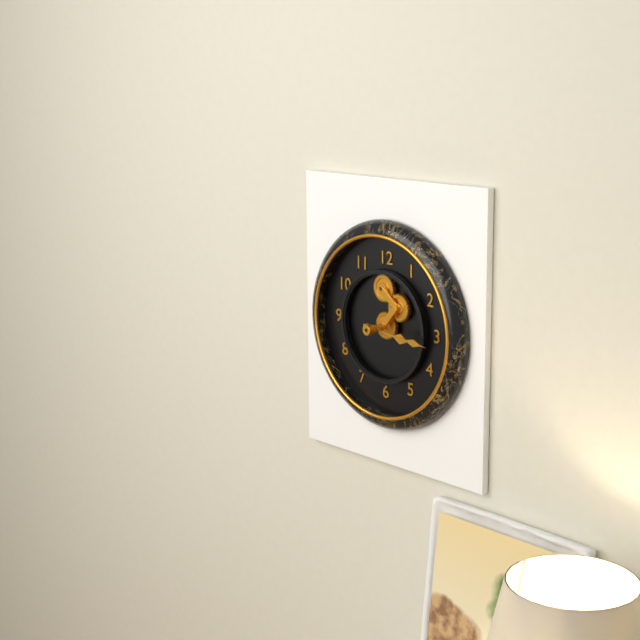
h=3 m=16
